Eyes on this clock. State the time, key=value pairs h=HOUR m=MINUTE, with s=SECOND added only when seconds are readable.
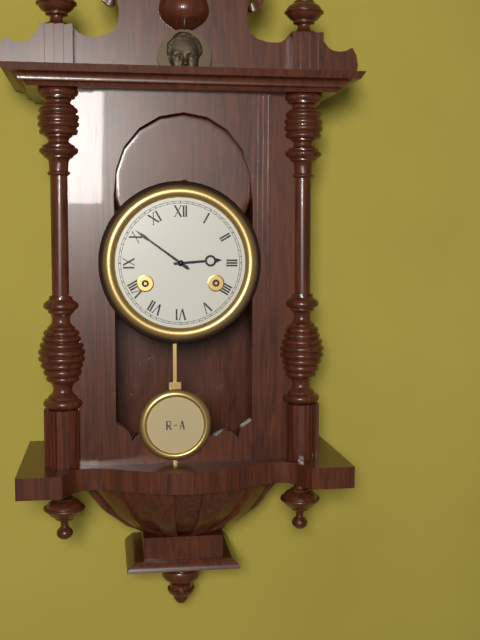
h=2 m=51
